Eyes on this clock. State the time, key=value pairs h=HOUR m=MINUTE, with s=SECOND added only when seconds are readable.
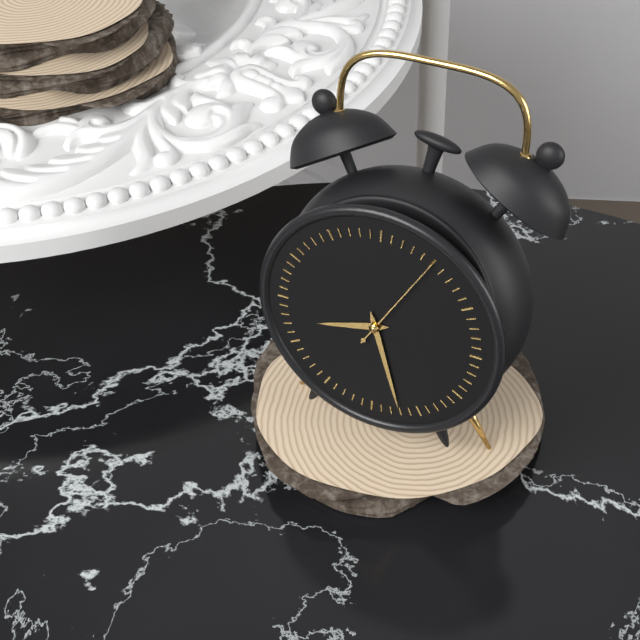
h=8 m=27 s=5
